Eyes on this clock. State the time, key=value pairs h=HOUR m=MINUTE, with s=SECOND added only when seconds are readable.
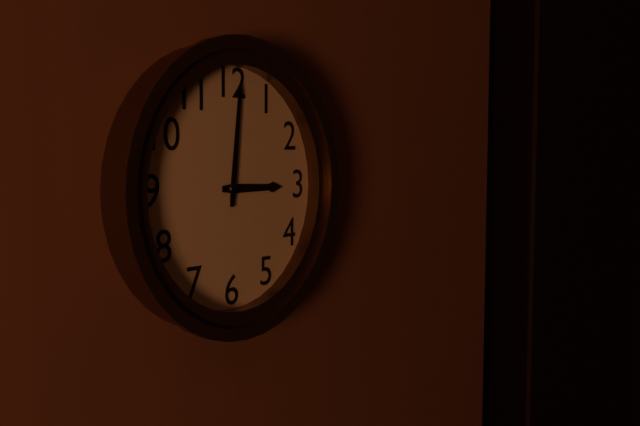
h=3 m=1
